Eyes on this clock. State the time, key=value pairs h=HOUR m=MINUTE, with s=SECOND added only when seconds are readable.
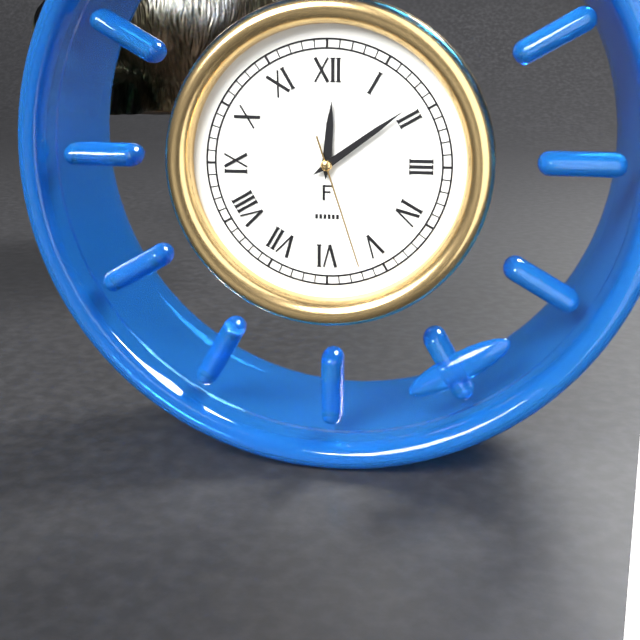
h=12 m=9 s=27
